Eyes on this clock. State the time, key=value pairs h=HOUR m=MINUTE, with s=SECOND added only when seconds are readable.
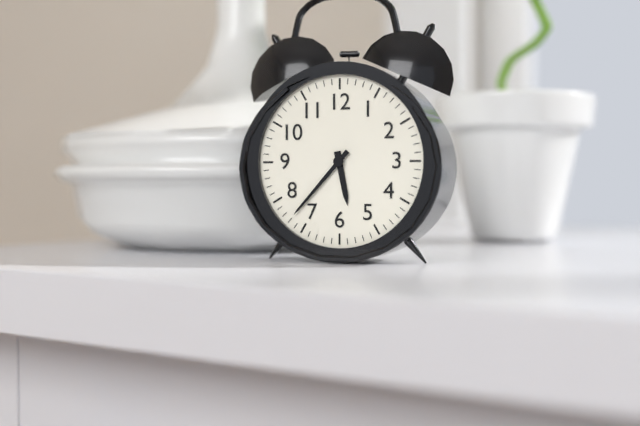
h=5 m=37
